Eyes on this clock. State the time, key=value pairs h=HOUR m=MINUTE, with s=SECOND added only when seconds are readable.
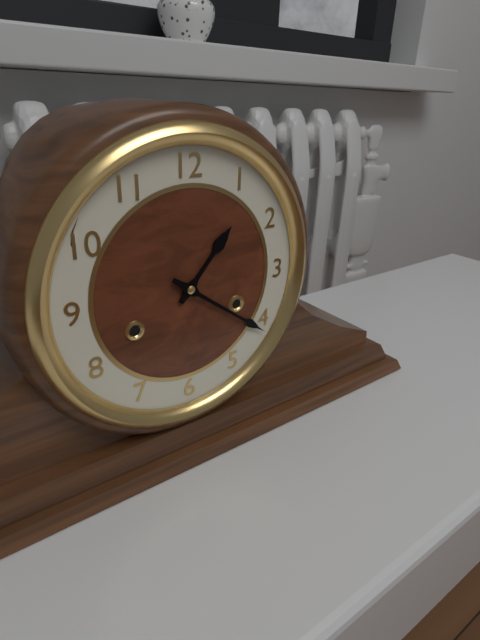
h=1 m=21
